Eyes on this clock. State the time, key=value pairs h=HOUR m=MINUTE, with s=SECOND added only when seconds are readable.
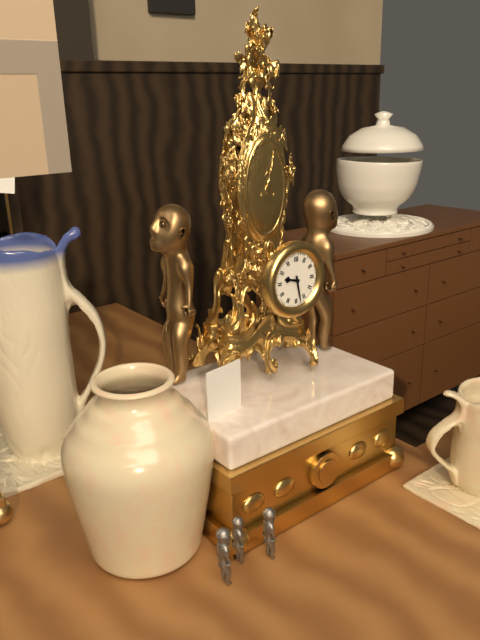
h=9 m=28
